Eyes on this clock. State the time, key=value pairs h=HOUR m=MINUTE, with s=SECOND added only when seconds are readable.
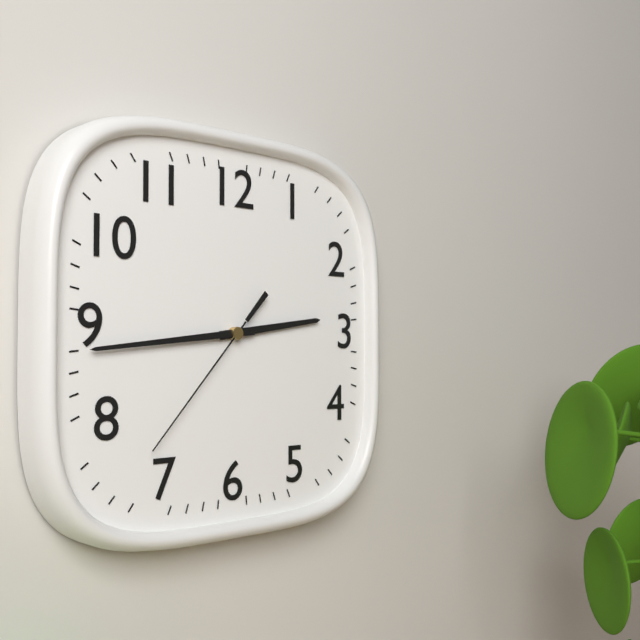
h=2 m=44 s=37
